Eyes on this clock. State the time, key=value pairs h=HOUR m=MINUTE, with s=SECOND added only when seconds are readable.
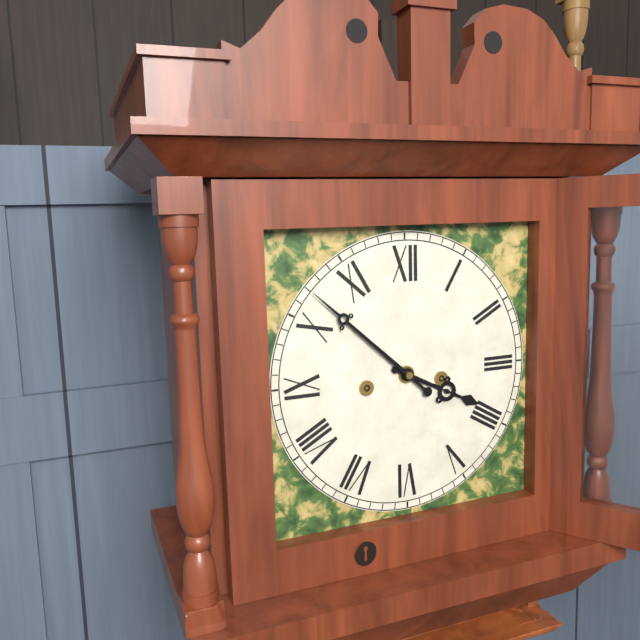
h=3 m=52
